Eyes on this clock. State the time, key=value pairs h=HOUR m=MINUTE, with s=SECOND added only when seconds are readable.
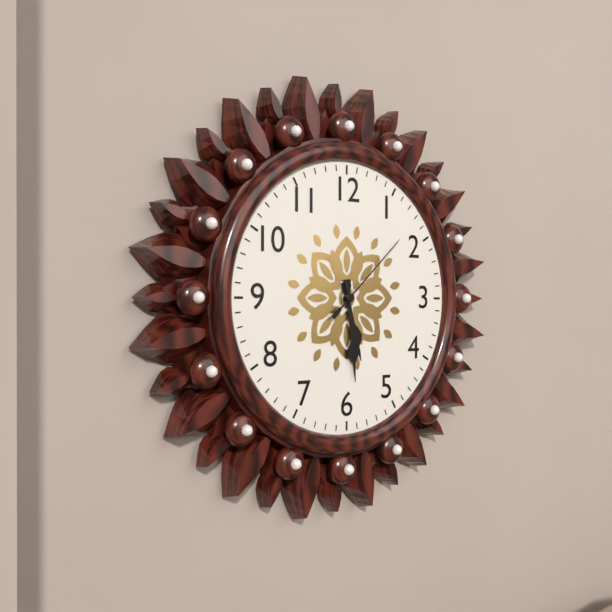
h=5 m=29 s=8
